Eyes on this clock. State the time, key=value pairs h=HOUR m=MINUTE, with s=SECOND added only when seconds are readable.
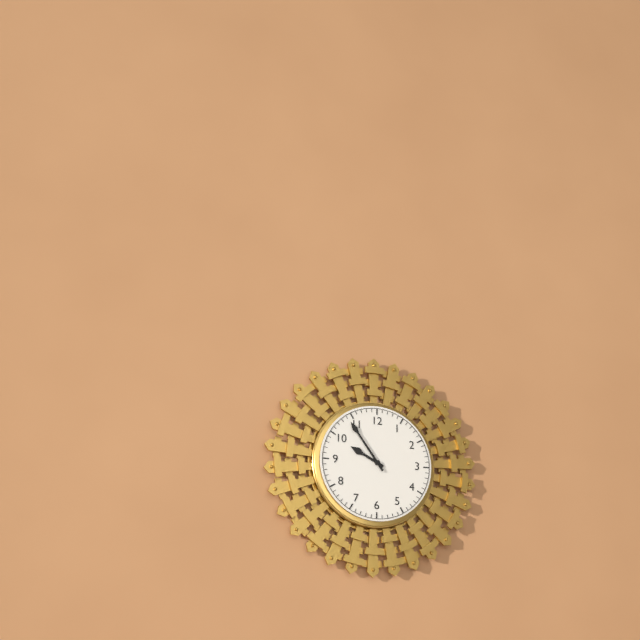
h=9 m=54
